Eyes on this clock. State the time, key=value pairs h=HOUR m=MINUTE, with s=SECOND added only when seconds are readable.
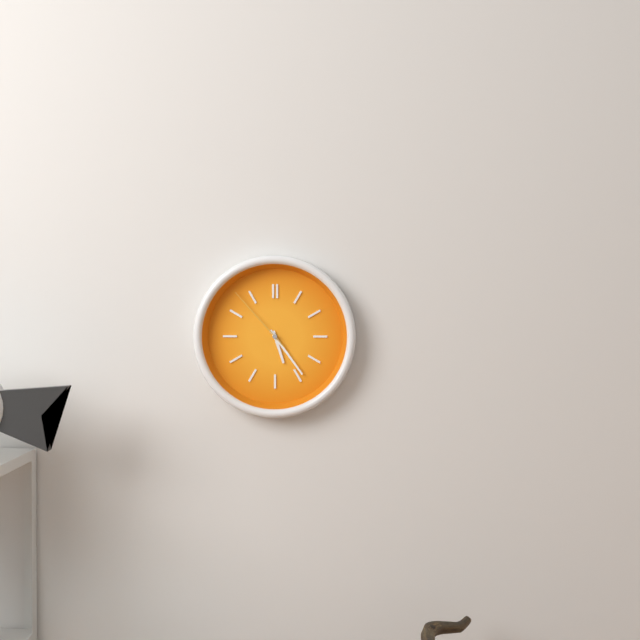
h=5 m=24 s=53
